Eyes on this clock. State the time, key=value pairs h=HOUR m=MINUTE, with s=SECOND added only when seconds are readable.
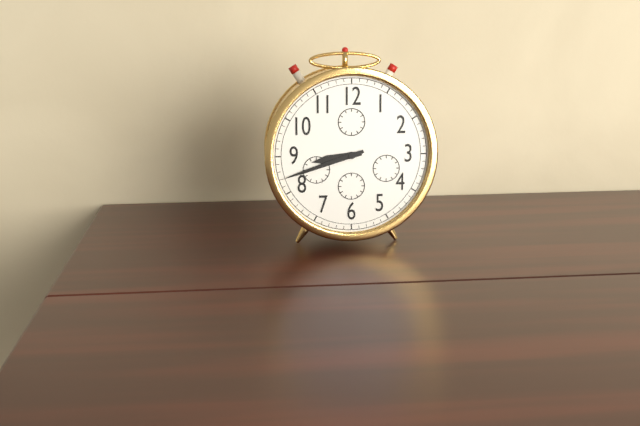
h=8 m=42
